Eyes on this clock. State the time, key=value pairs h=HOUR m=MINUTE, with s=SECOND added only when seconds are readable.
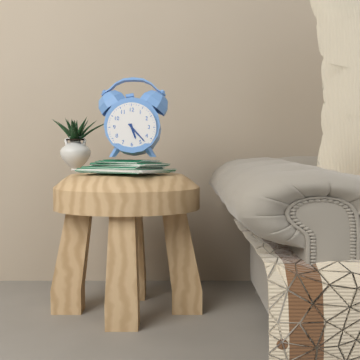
h=5 m=23
